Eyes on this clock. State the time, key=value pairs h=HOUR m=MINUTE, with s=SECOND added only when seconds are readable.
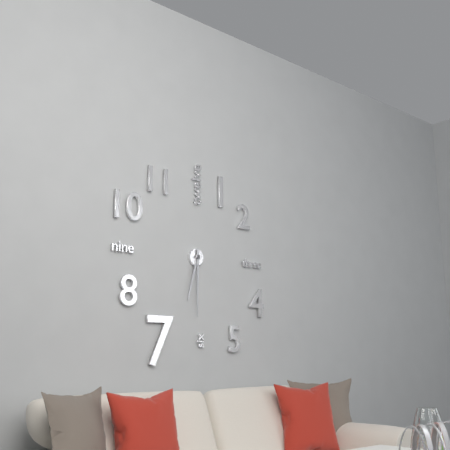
h=6 m=30
